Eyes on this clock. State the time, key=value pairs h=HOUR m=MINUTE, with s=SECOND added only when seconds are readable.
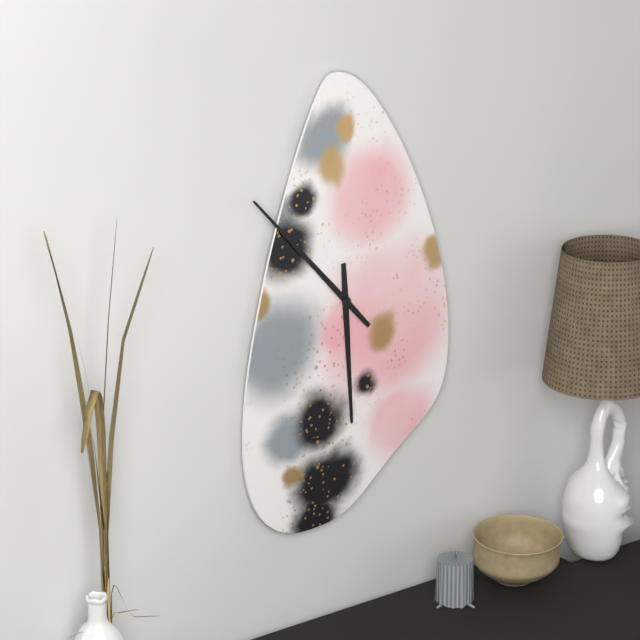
h=5 m=53
